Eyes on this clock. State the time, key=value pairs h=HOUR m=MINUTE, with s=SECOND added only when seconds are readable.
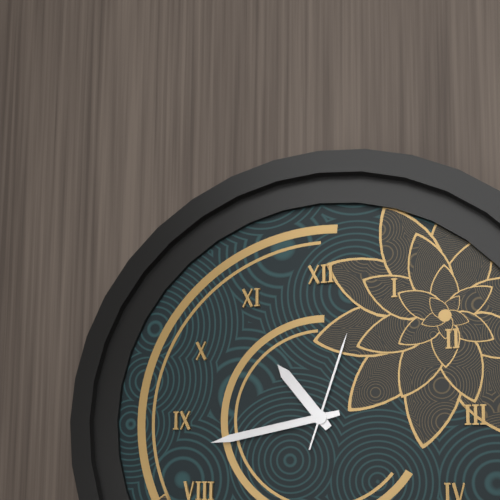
h=10 m=43 s=3
